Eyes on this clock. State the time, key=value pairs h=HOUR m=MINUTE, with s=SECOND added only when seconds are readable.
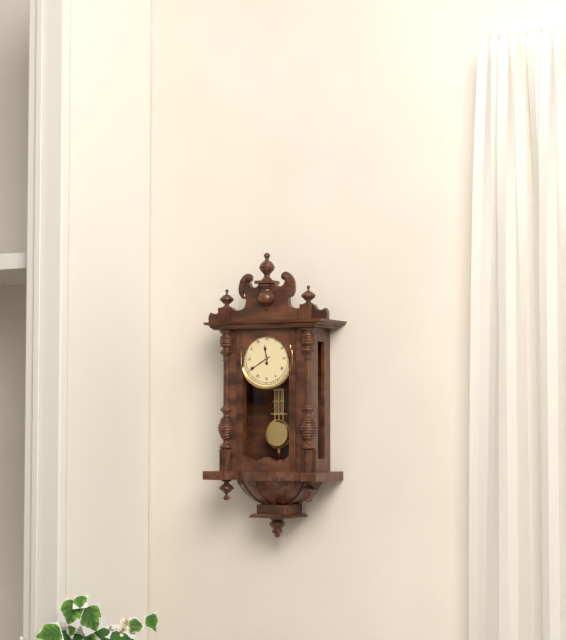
h=11 m=40
